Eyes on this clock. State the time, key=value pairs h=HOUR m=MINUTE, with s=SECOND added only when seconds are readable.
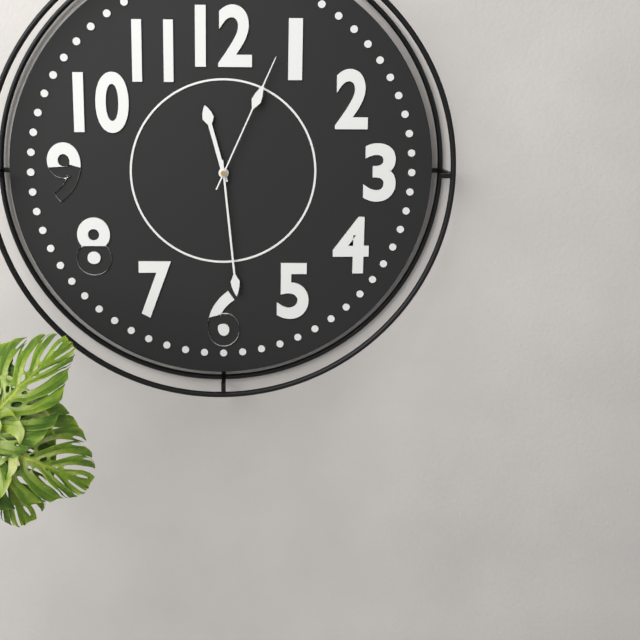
h=11 m=29 s=4
